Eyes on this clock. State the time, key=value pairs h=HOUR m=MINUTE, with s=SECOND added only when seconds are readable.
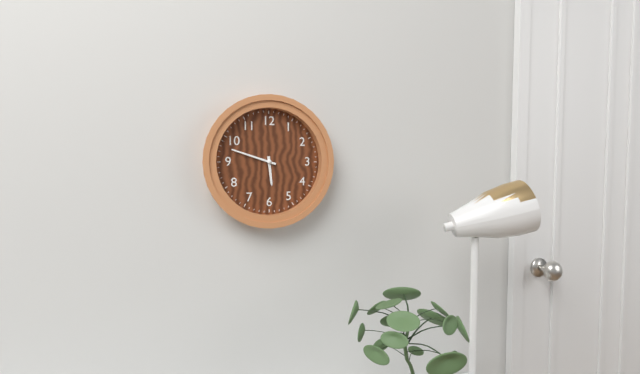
h=5 m=48
